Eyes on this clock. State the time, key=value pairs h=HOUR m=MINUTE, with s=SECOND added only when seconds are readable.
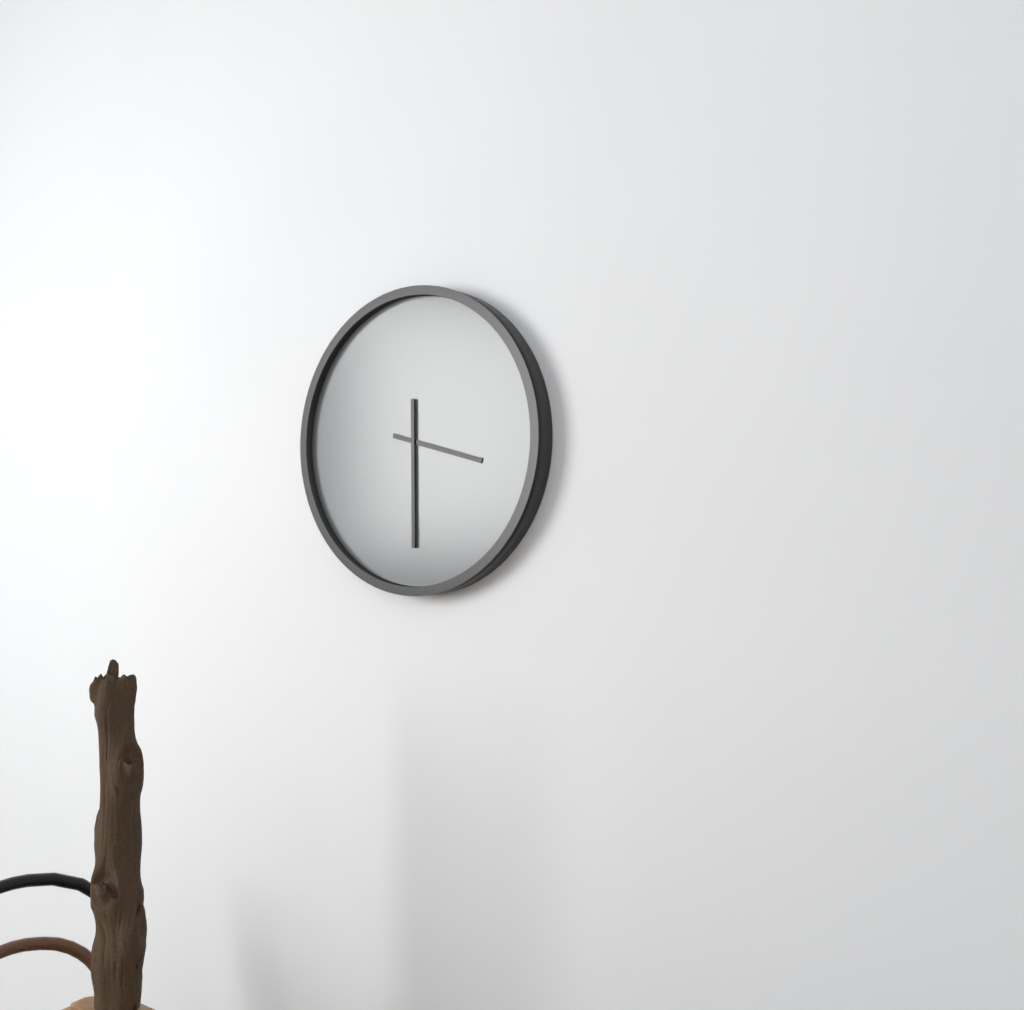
h=3 m=30
